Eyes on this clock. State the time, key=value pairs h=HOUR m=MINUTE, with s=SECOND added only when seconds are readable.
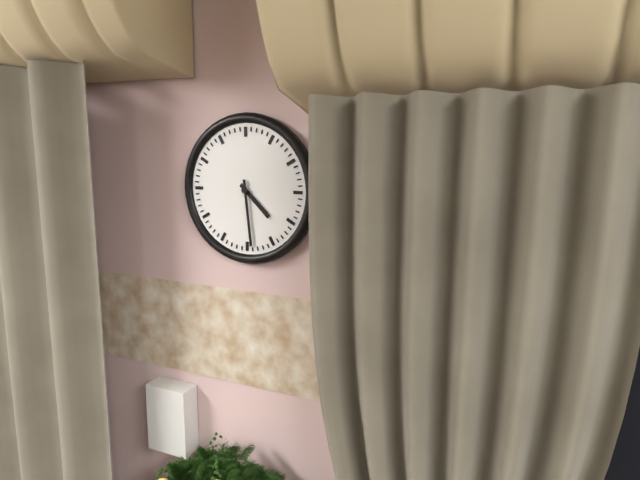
h=4 m=29
